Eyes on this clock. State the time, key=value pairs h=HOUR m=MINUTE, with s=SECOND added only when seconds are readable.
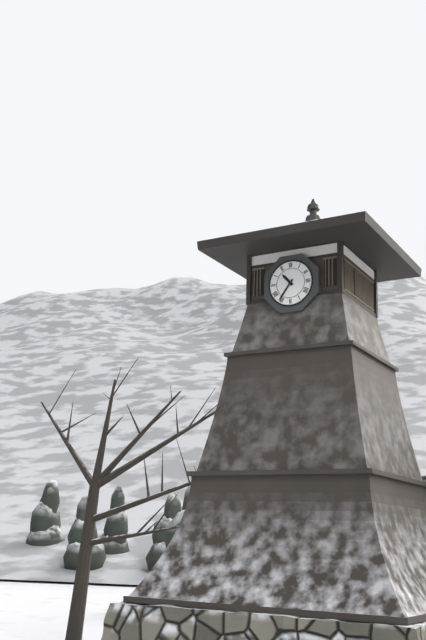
h=10 m=36
